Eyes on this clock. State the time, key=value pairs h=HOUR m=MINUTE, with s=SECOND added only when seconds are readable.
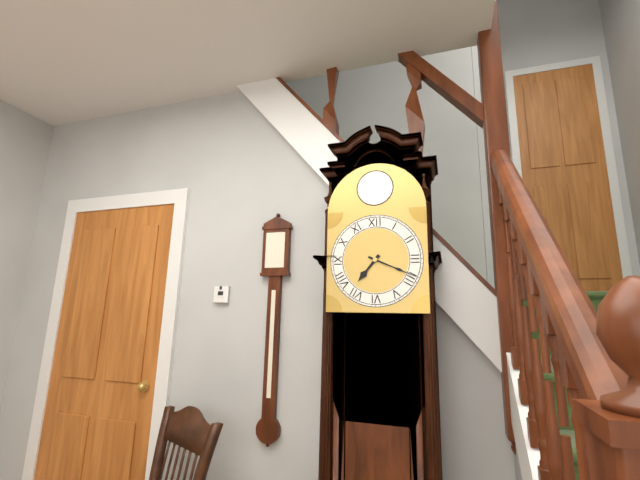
h=7 m=19
